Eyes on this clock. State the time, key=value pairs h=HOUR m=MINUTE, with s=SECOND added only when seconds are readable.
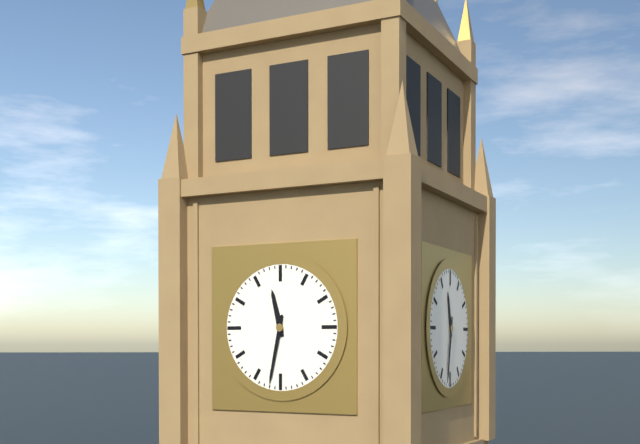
h=11 m=32
